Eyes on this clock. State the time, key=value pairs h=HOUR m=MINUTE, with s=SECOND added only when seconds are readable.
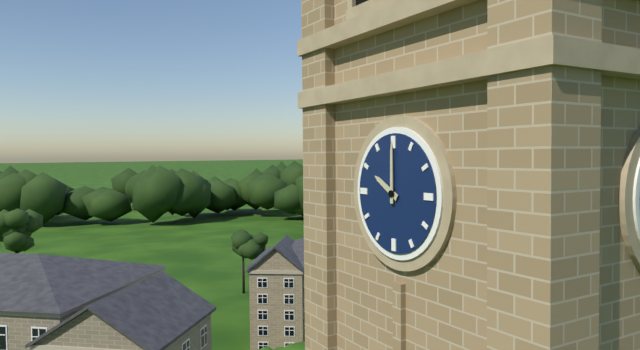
h=10 m=0
